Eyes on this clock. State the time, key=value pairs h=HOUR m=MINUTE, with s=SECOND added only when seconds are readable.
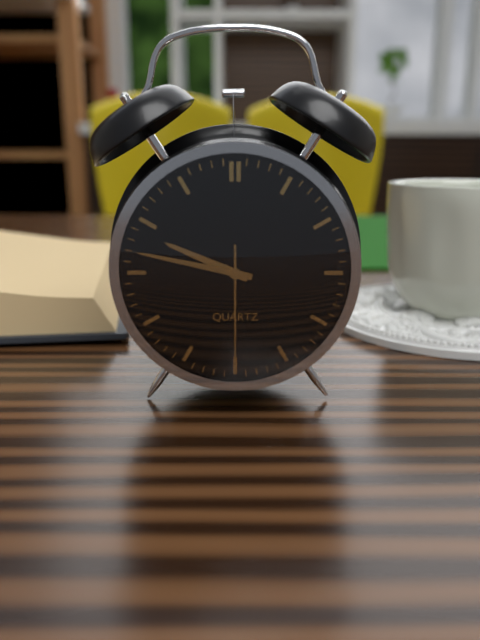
h=9 m=47 s=30
